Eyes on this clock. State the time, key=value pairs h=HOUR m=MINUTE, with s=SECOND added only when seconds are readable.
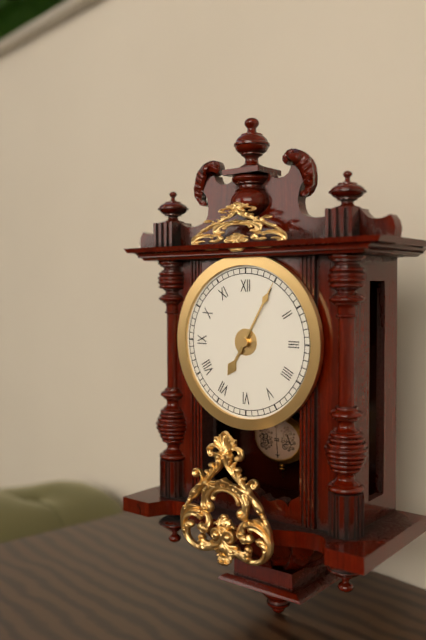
h=7 m=5
